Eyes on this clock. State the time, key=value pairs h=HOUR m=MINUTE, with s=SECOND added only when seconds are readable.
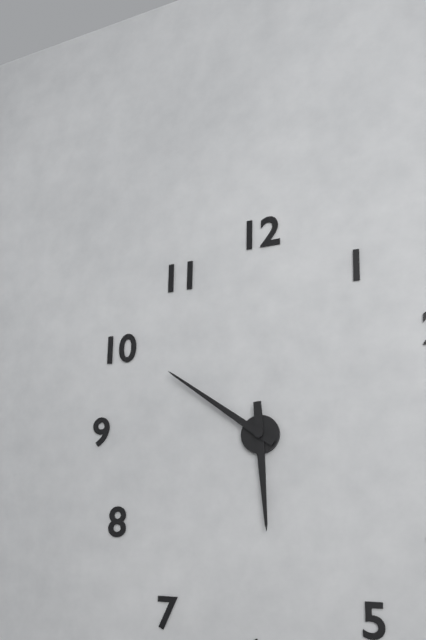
h=5 m=51
